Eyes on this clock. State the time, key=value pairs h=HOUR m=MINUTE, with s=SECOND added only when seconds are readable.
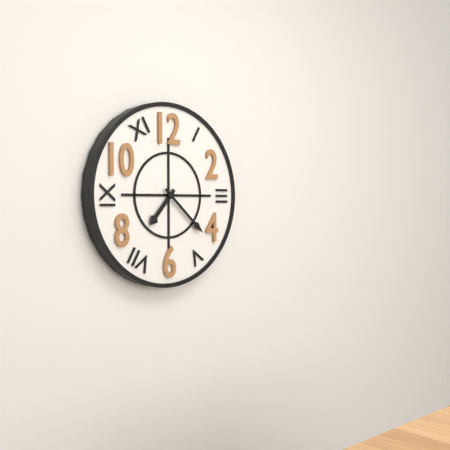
h=7 m=22
